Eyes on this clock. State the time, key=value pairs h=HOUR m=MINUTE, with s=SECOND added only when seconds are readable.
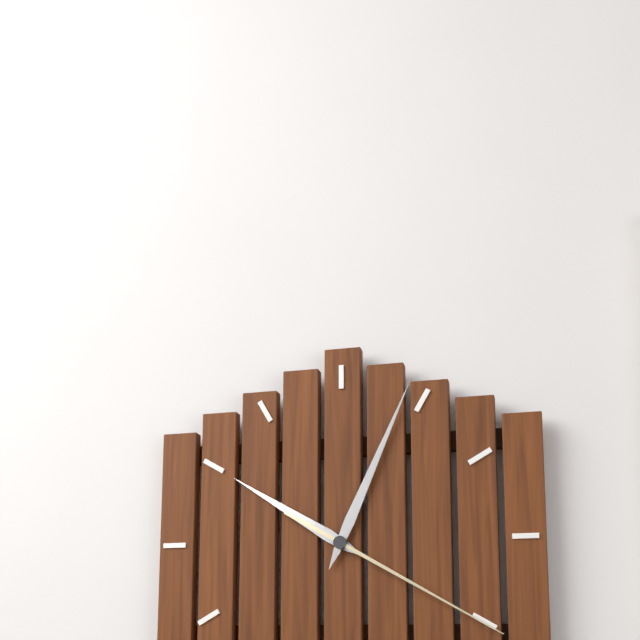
h=10 m=4 s=20
